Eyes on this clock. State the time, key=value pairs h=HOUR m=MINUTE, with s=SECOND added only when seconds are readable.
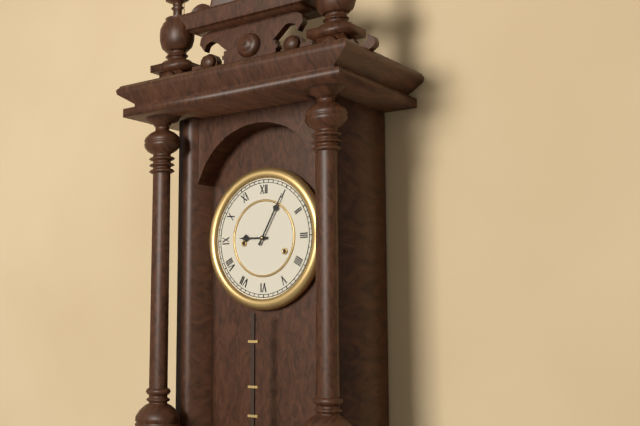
h=9 m=5
